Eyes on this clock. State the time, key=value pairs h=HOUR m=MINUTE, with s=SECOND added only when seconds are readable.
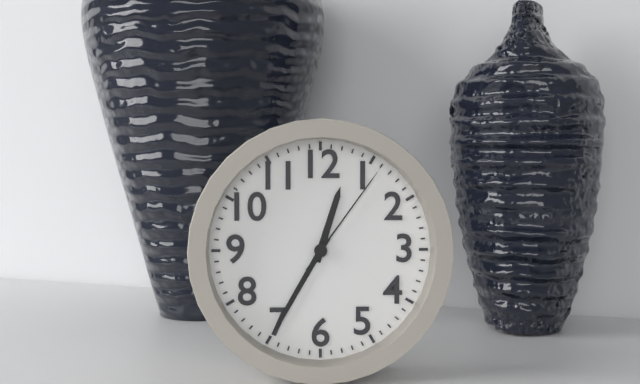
h=12 m=35 s=6
